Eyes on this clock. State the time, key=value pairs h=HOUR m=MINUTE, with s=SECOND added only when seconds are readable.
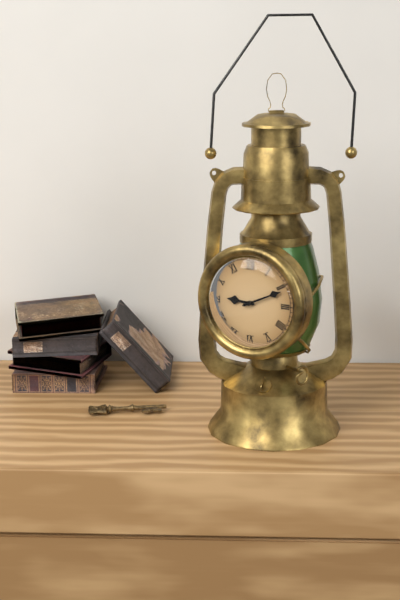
h=9 m=11
